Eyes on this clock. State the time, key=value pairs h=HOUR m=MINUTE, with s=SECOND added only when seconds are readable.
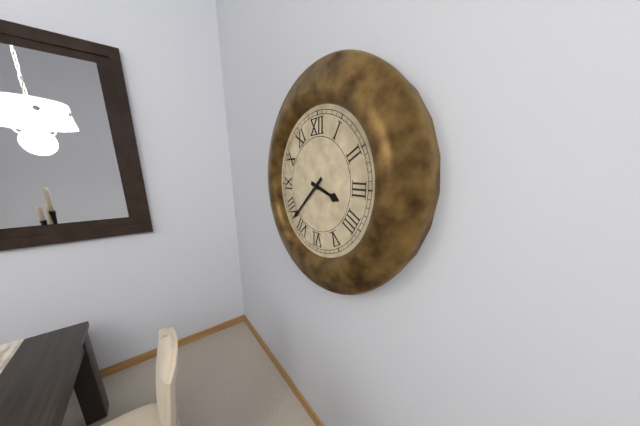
h=3 m=38
